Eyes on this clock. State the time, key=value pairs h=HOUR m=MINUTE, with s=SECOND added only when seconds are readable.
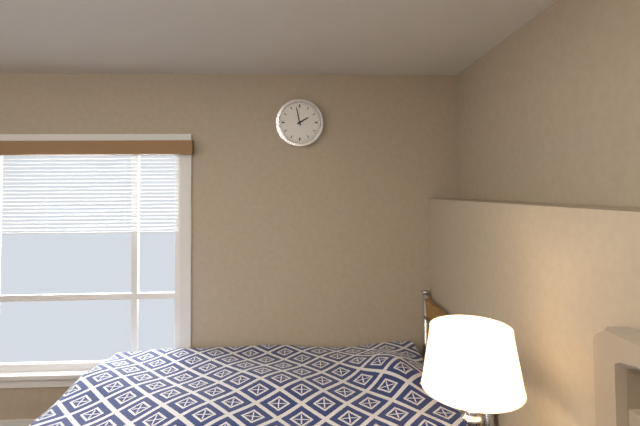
h=1 m=58
